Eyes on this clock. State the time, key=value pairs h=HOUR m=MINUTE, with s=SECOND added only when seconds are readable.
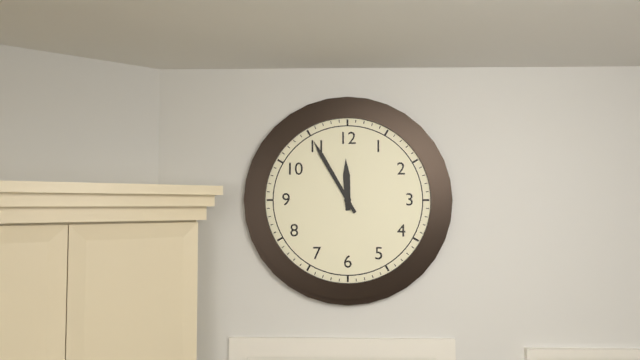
h=11 m=55
